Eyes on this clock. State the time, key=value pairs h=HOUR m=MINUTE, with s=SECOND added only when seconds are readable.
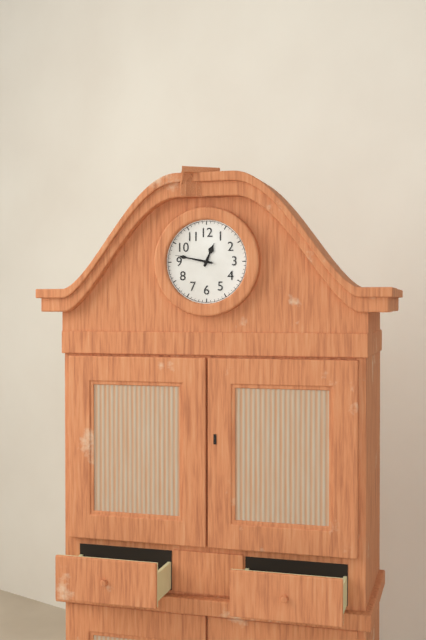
h=12 m=47
